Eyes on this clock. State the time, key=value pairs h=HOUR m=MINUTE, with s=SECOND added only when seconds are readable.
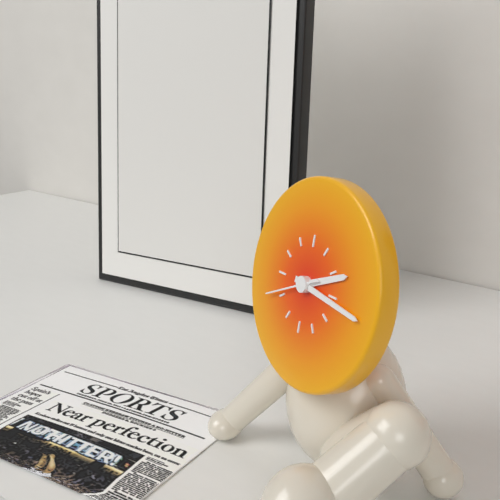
h=2 m=16
